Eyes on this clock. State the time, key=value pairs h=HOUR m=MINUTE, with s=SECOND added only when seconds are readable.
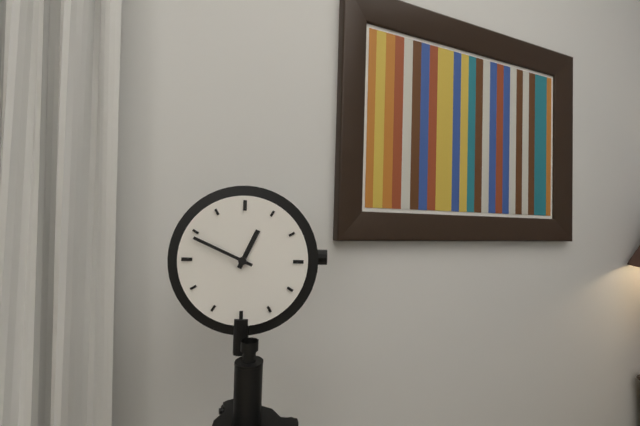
h=12 m=49
